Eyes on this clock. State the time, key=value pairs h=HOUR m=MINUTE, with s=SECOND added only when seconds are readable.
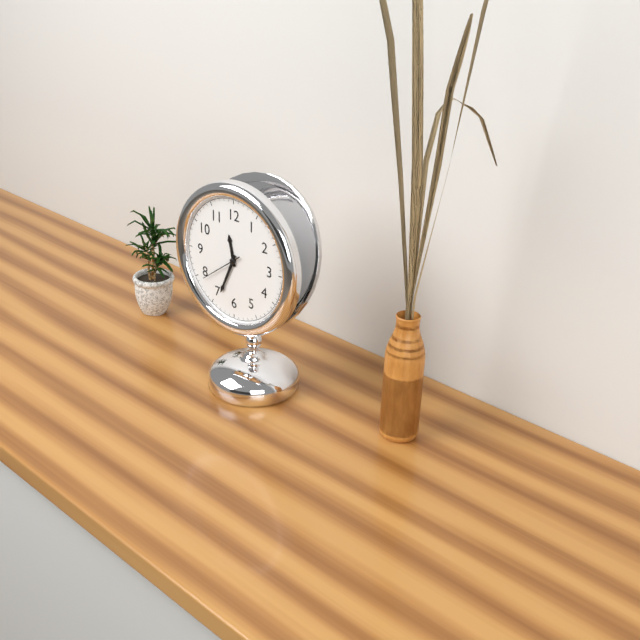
h=11 m=34
